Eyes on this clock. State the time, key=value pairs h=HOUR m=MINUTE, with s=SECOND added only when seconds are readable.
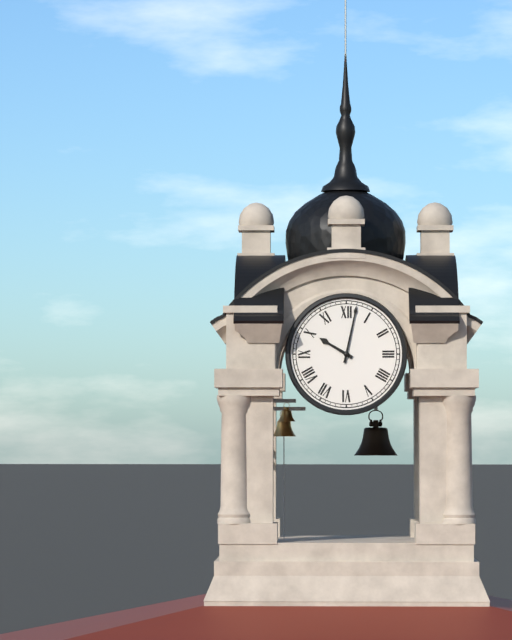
h=10 m=2
